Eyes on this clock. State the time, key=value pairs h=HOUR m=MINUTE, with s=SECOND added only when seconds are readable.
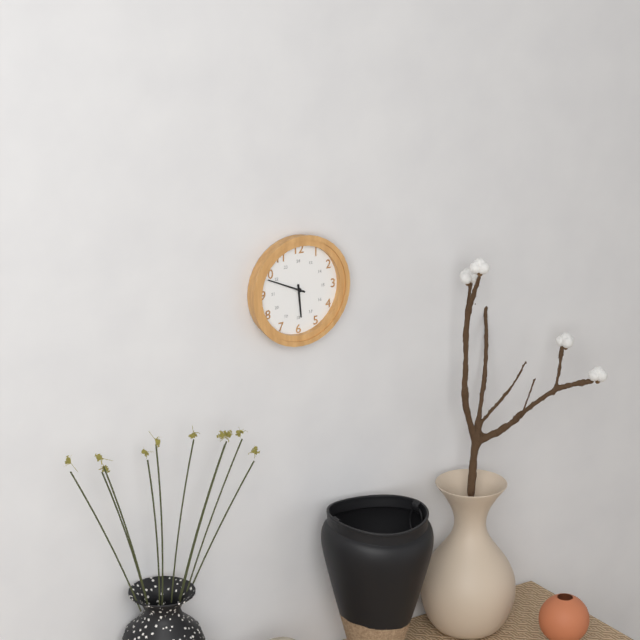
h=5 m=49
